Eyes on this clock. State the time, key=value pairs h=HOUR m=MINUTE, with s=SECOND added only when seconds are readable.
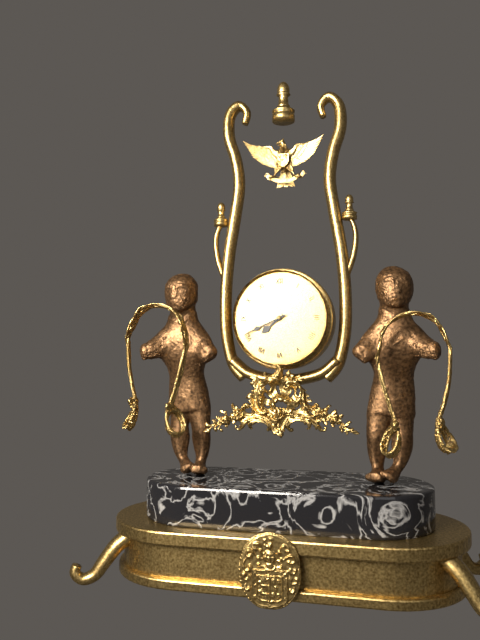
h=7 m=41
